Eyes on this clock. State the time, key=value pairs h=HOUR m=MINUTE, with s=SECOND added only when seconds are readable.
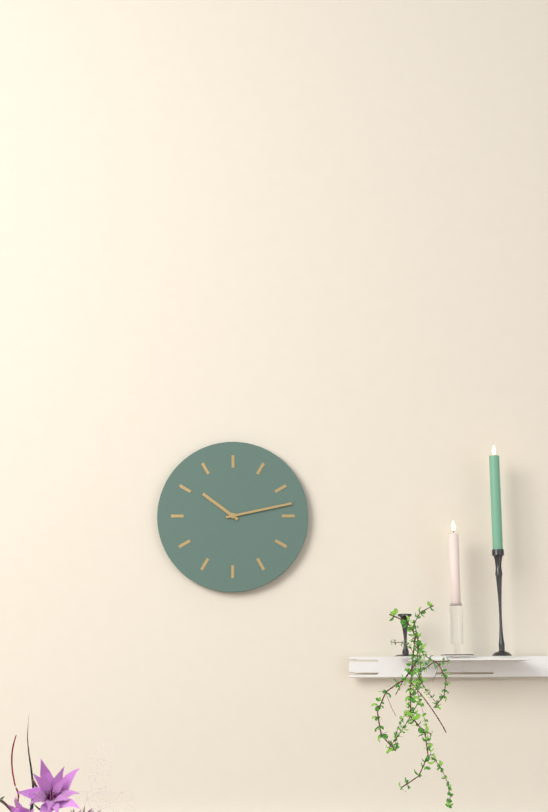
h=10 m=13
